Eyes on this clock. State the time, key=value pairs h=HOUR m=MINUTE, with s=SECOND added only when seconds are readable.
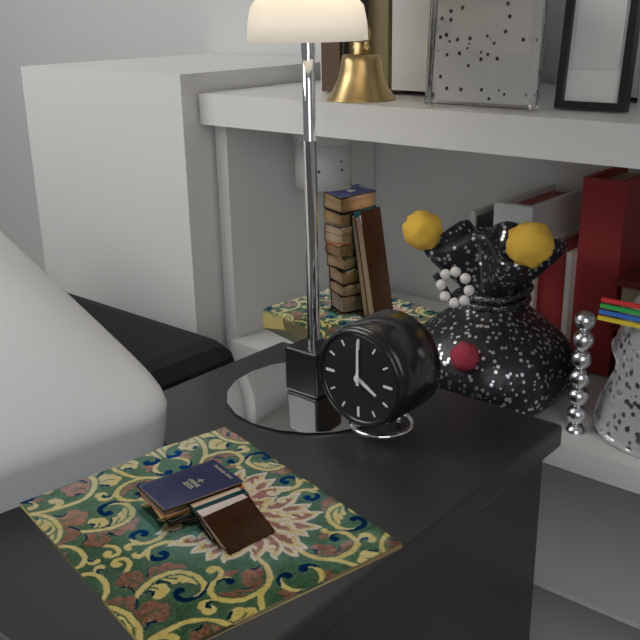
h=4 m=0
